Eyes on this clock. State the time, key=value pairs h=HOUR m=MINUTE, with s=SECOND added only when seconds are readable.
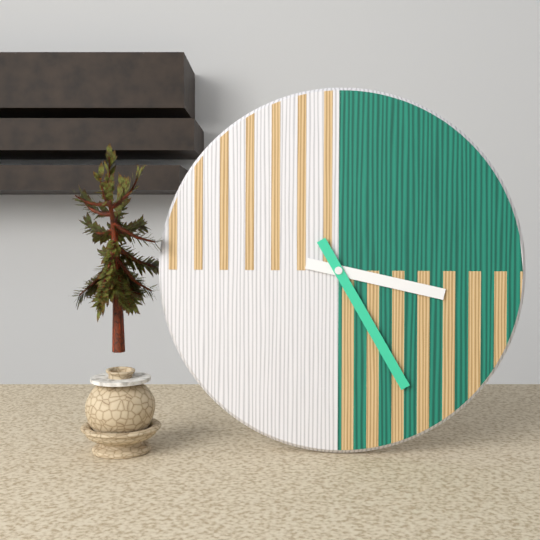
h=3 m=25
